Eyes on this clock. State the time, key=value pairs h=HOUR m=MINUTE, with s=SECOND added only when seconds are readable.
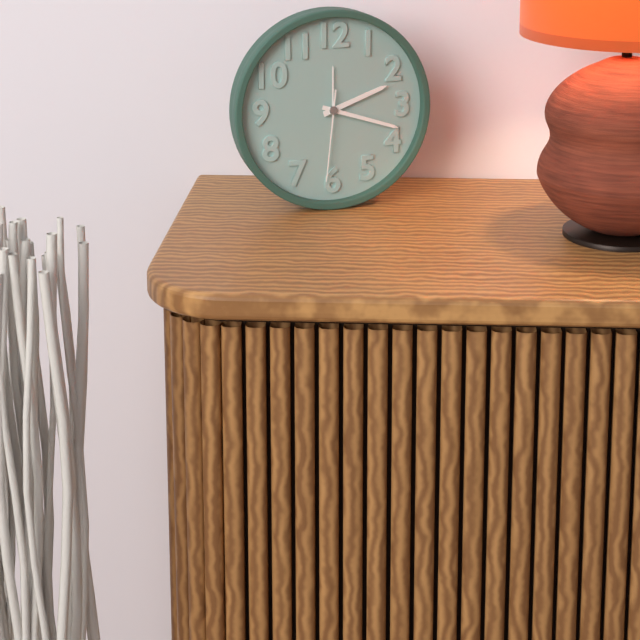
h=2 m=18 s=31
